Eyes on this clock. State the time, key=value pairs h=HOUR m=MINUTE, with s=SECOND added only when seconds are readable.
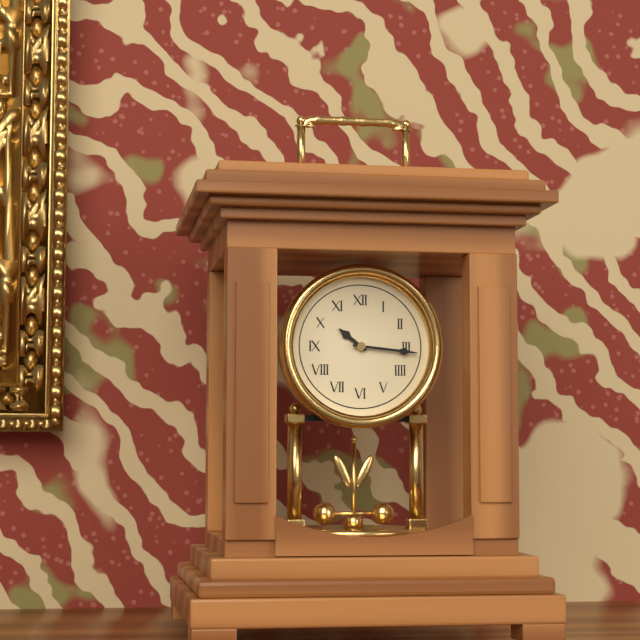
h=10 m=16
